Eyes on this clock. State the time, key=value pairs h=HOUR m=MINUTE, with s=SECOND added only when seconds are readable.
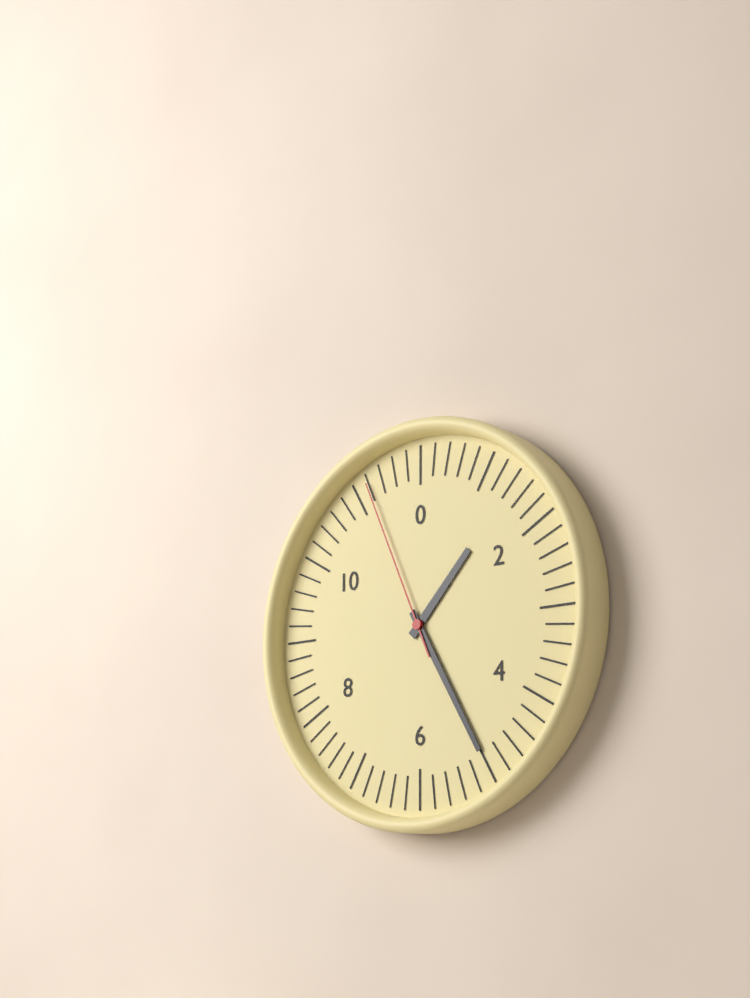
h=1 m=25 s=56
